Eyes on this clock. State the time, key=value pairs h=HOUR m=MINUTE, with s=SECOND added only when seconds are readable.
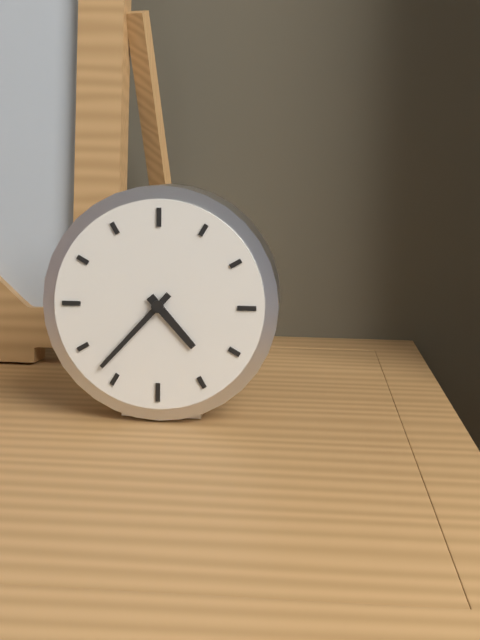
h=4 m=37
